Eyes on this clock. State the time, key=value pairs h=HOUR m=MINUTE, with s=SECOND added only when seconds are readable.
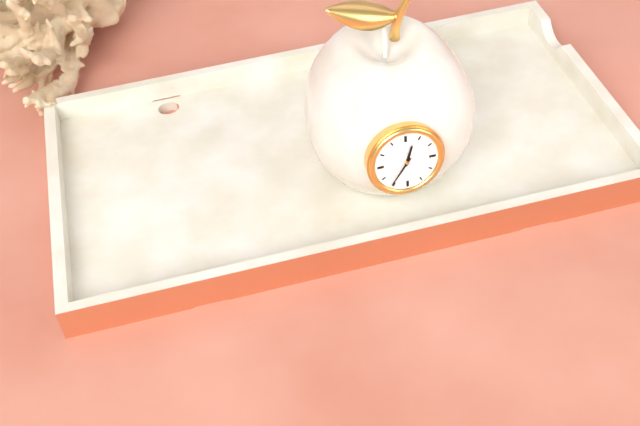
h=12 m=36
